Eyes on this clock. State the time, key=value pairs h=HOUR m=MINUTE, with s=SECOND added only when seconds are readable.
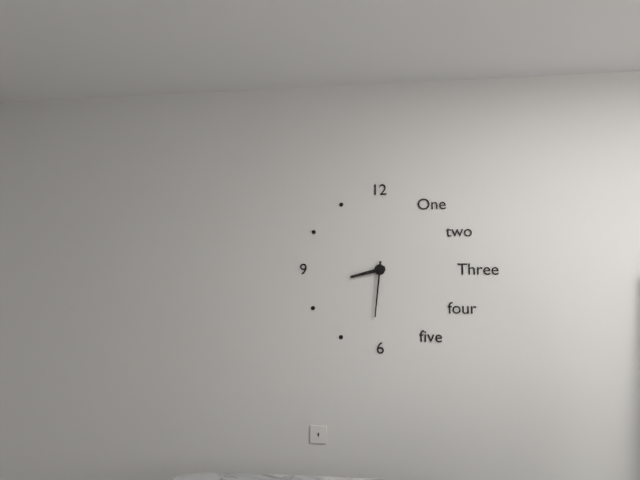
h=8 m=31
